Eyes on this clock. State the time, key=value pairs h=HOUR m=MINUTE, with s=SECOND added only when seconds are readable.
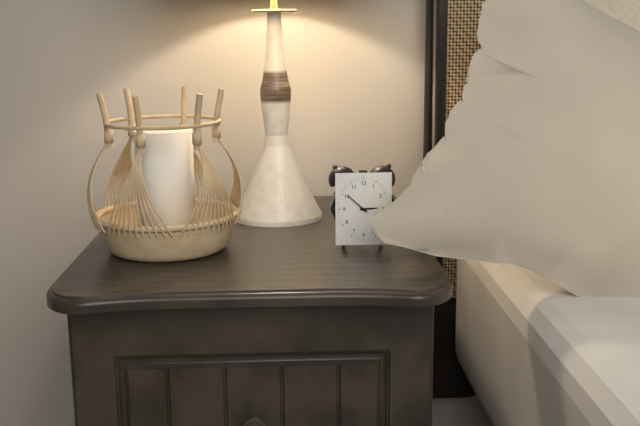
h=2 m=52
